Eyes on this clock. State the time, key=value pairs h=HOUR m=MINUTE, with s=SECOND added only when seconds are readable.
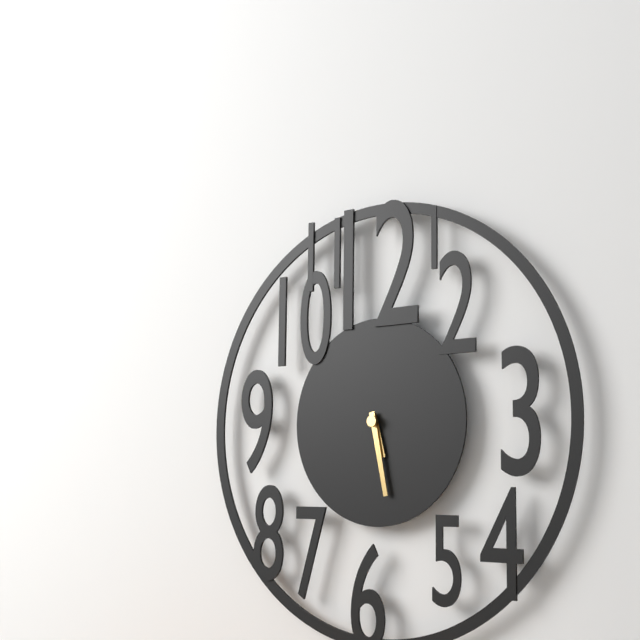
h=5 m=28
